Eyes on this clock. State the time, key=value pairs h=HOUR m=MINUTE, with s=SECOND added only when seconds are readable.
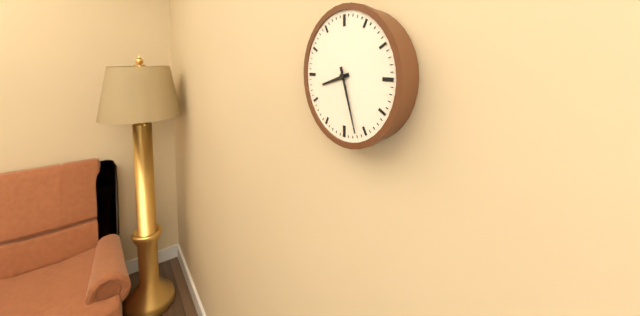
h=8 m=27
